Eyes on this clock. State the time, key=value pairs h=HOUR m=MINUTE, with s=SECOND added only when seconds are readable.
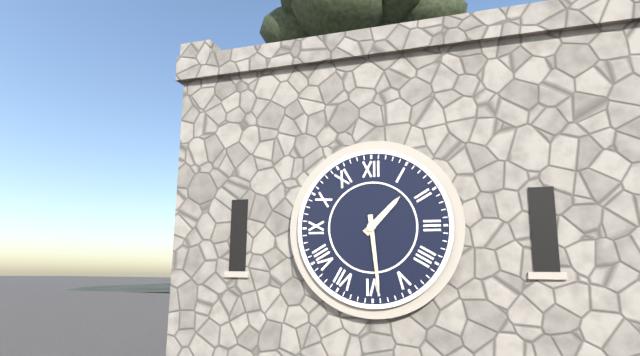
h=1 m=29
